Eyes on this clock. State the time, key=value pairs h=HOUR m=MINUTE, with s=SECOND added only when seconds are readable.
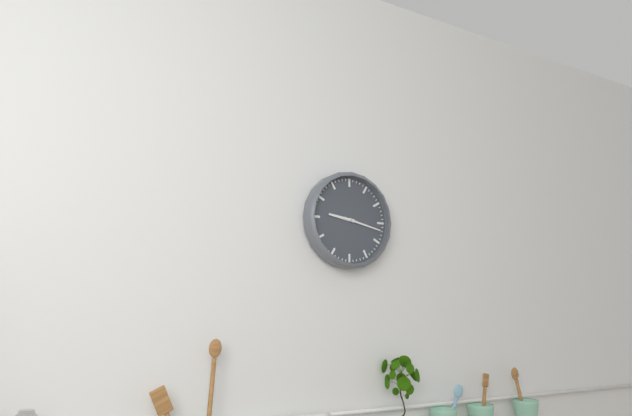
h=9 m=17
